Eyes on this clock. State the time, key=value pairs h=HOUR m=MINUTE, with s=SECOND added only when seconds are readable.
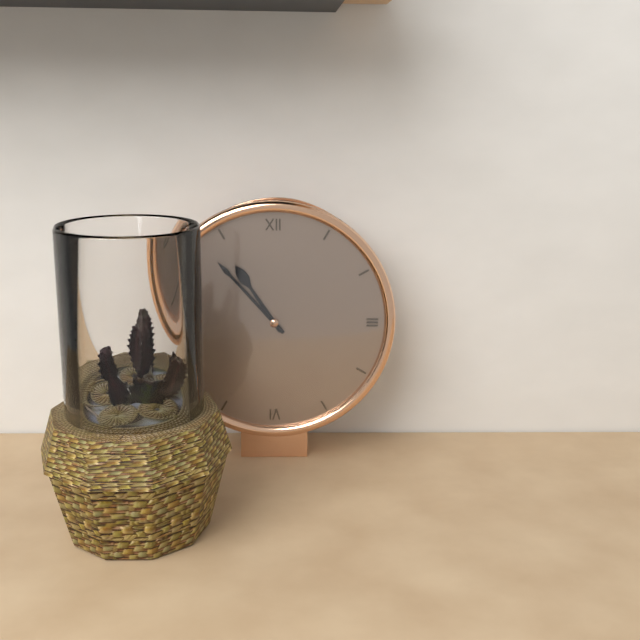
h=10 m=53
